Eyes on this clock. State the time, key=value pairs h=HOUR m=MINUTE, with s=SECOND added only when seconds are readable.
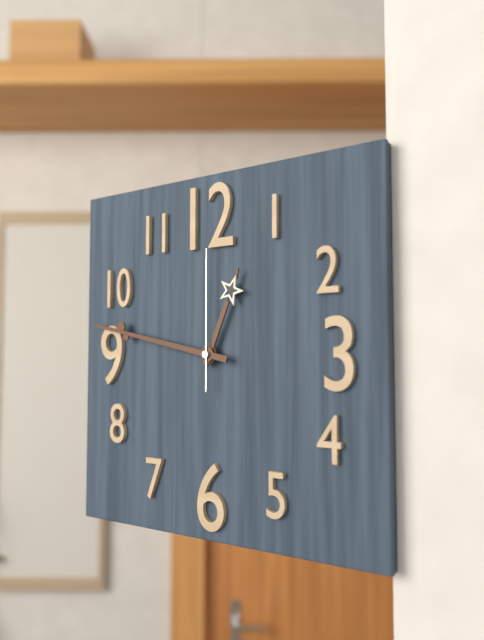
h=12 m=47 s=0
